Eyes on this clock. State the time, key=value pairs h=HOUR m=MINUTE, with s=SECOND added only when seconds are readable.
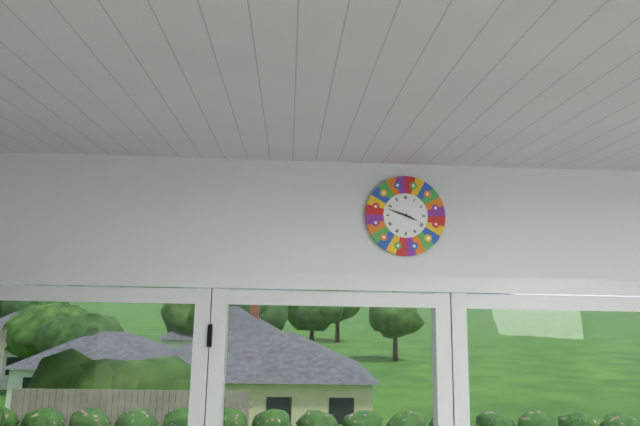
h=3 m=48
